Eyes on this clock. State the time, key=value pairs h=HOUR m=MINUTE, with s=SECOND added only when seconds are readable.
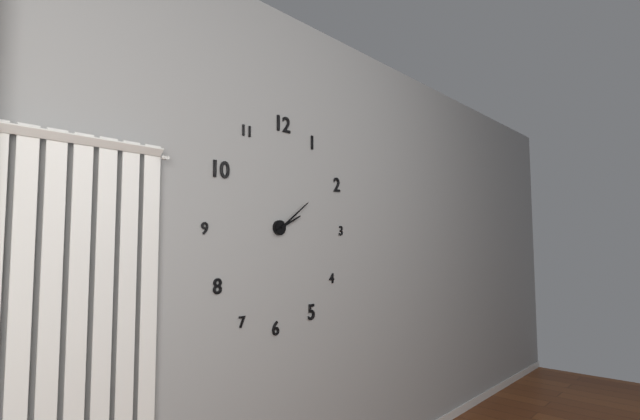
h=2 m=9
